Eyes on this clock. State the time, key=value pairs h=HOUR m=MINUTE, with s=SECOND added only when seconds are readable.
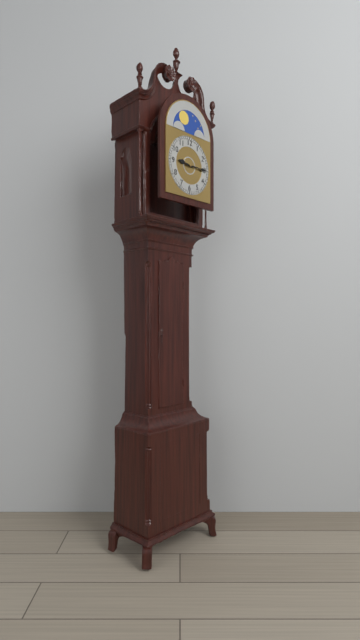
h=9 m=15
